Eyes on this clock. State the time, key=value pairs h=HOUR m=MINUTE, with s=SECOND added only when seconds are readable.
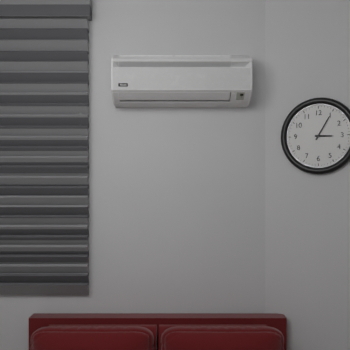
h=3 m=5
